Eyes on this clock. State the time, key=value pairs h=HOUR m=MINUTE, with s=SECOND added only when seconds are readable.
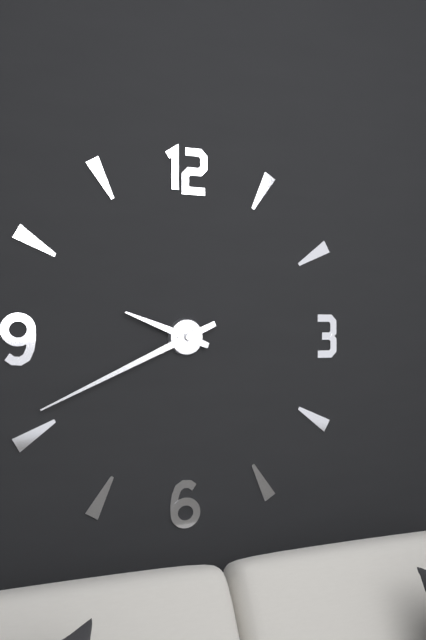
h=9 m=41
